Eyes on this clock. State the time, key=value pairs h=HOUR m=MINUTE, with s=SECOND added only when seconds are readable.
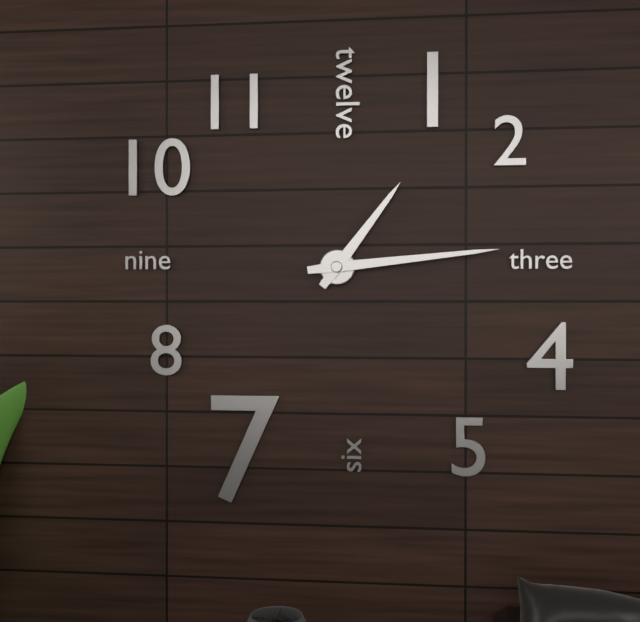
h=1 m=14
